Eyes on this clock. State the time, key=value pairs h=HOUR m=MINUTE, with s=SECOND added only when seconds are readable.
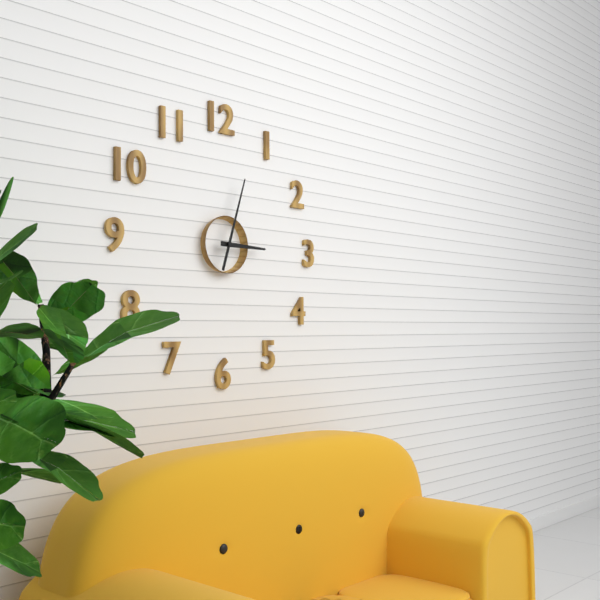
h=3 m=3
